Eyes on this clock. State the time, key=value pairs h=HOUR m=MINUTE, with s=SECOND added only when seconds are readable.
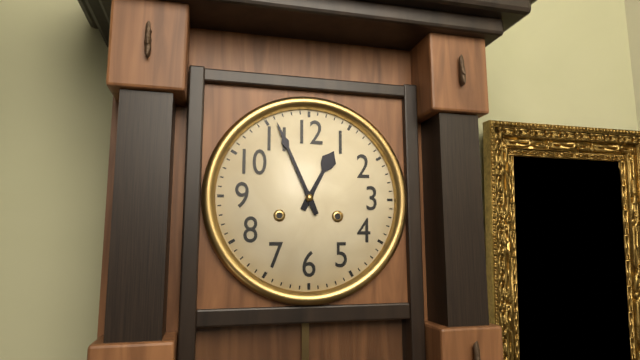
h=12 m=56
